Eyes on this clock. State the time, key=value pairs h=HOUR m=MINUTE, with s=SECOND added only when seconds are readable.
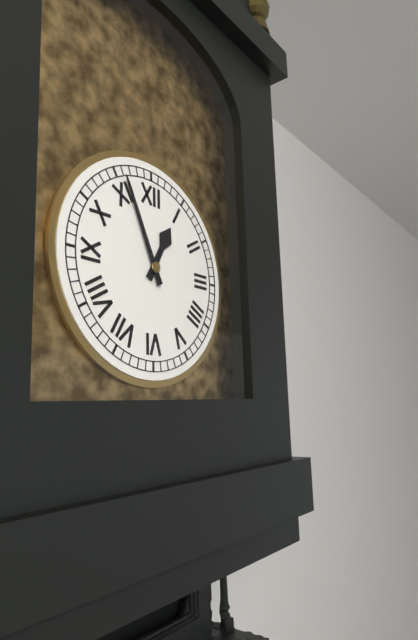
h=12 m=56
